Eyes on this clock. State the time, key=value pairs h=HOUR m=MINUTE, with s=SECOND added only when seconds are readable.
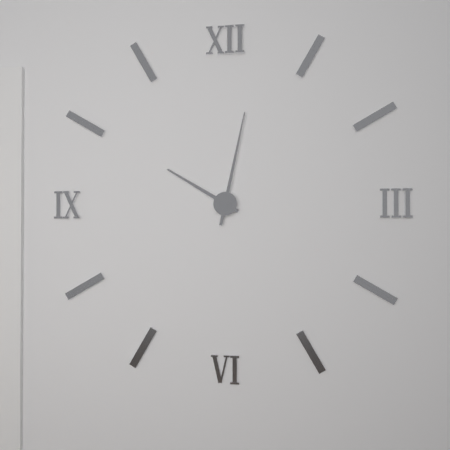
h=10 m=2
